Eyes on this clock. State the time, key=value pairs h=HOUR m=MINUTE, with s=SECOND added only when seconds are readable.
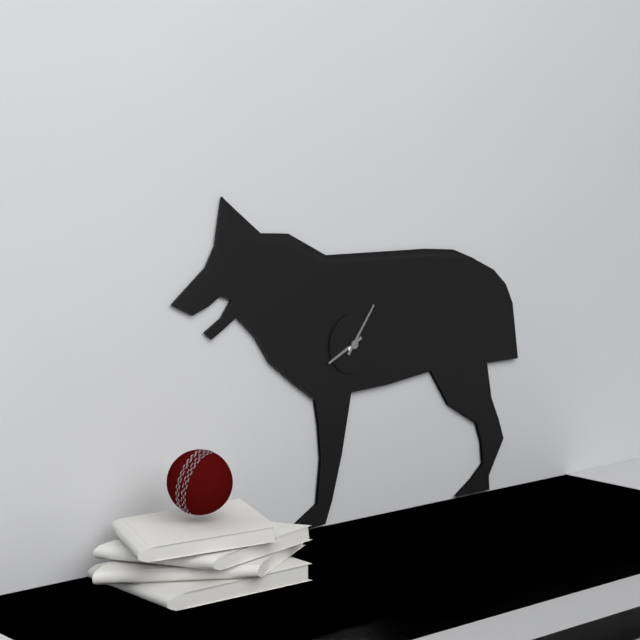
h=8 m=6
